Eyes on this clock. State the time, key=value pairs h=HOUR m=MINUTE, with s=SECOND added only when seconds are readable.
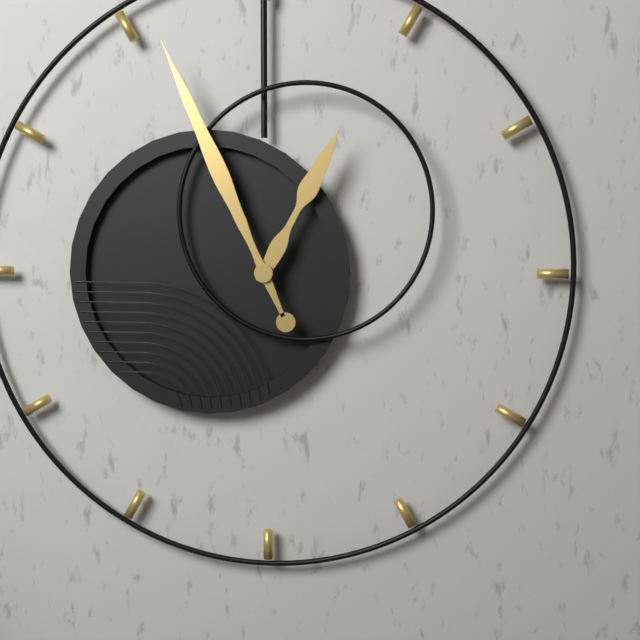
h=12 m=56
